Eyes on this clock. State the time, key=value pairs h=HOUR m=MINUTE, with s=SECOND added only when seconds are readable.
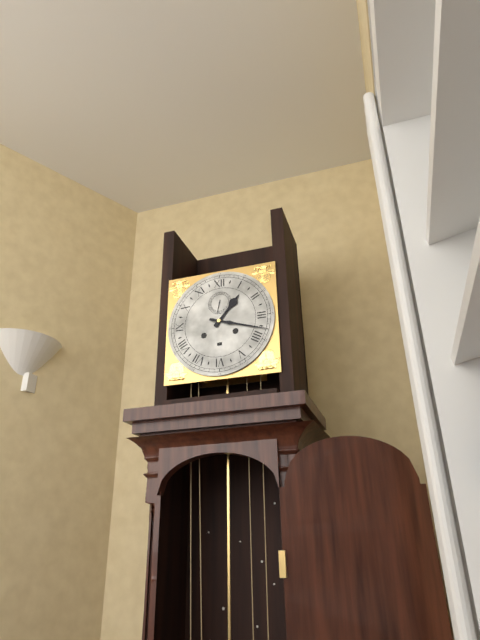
h=1 m=18
